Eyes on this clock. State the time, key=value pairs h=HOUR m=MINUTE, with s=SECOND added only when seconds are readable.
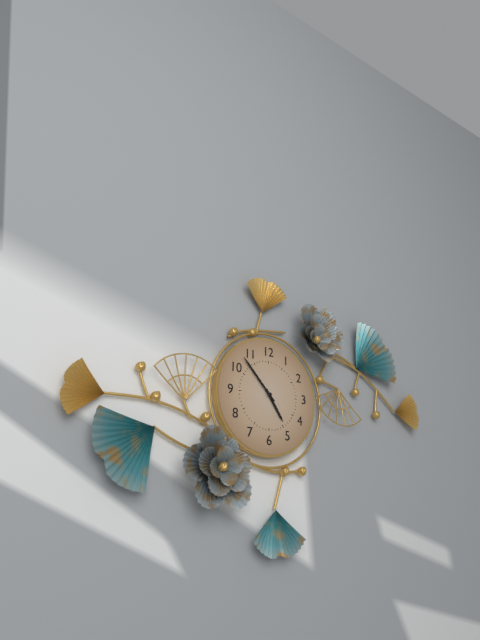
h=4 m=53
